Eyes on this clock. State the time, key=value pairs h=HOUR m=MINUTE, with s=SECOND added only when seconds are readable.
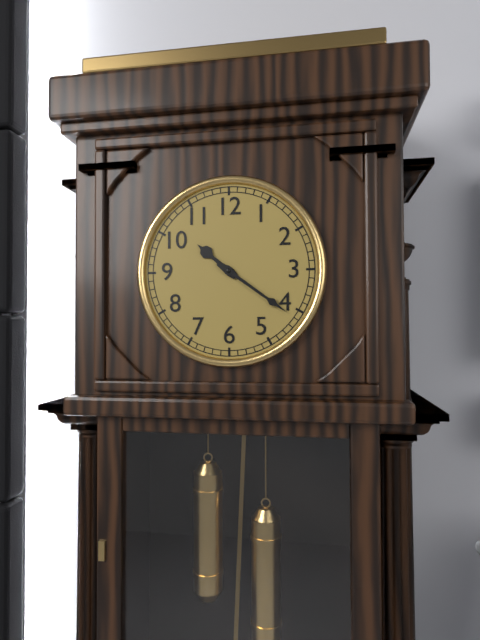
h=10 m=21
